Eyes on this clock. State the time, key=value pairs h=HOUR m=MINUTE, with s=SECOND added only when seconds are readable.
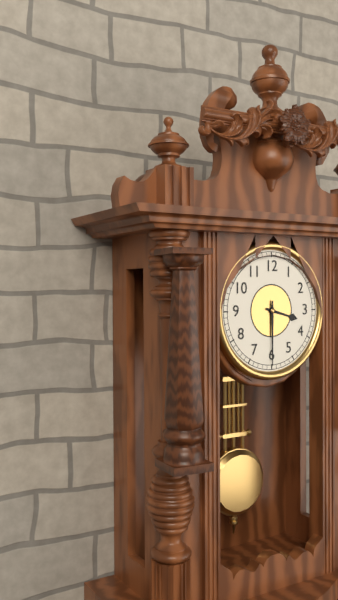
h=3 m=30
